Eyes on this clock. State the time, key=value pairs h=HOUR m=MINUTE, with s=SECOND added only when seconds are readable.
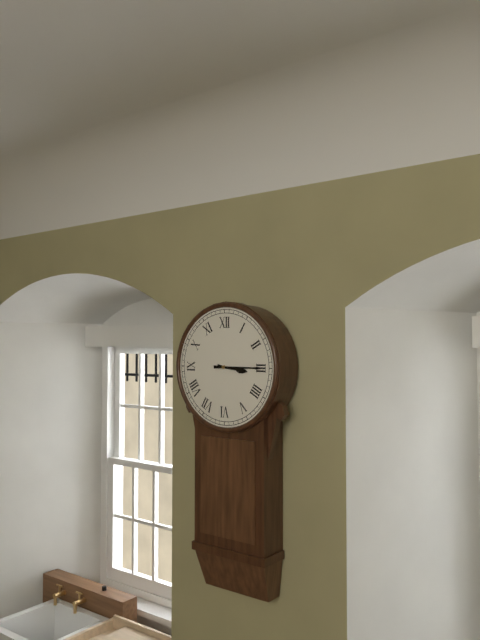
h=3 m=15
